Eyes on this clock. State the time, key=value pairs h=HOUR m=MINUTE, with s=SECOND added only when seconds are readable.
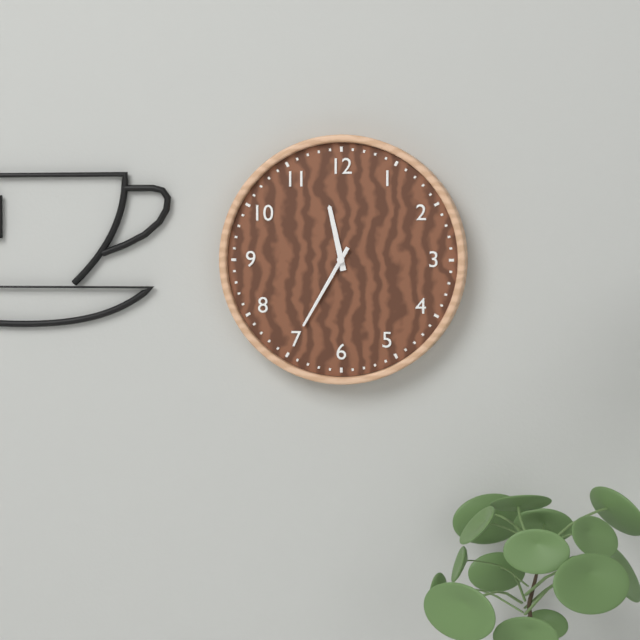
h=11 m=35
